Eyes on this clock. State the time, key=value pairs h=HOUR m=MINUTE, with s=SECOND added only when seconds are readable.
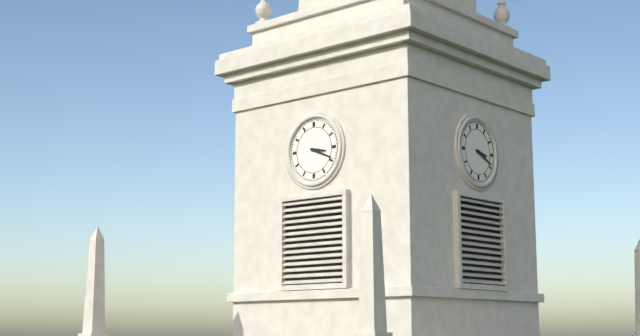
h=3 m=19
